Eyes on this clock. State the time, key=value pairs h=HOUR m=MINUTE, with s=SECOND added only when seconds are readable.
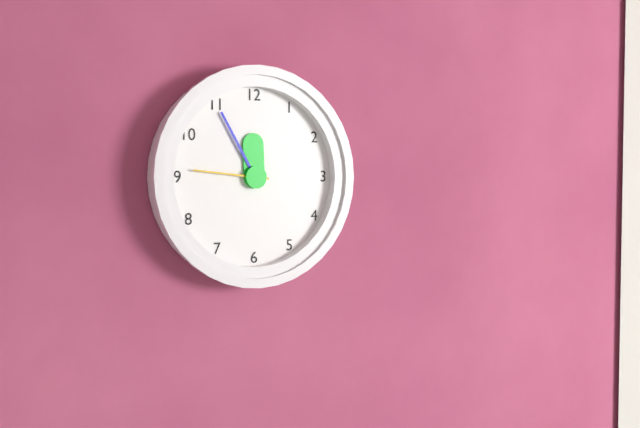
h=11 m=55 s=46
